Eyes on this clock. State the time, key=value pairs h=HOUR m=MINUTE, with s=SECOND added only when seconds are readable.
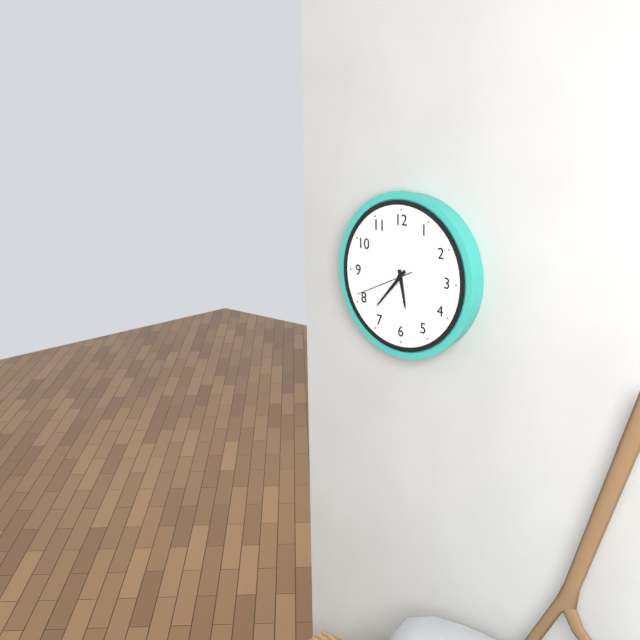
h=5 m=37 s=41
